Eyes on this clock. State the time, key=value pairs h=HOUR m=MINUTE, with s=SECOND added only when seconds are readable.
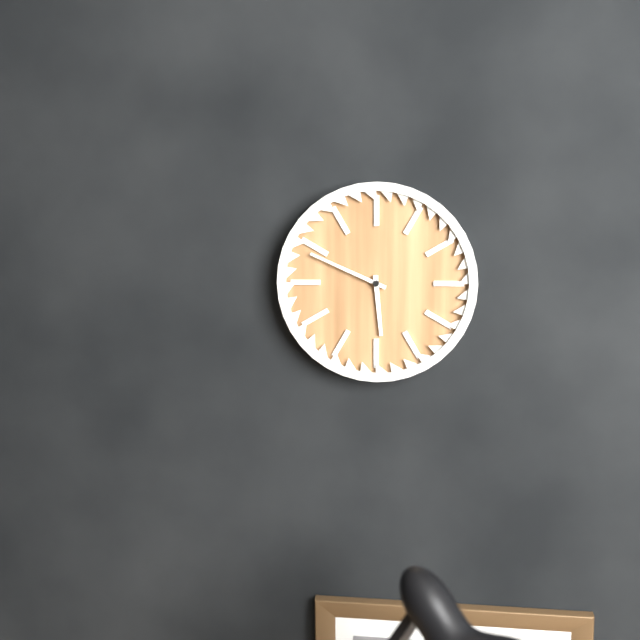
h=5 m=49
